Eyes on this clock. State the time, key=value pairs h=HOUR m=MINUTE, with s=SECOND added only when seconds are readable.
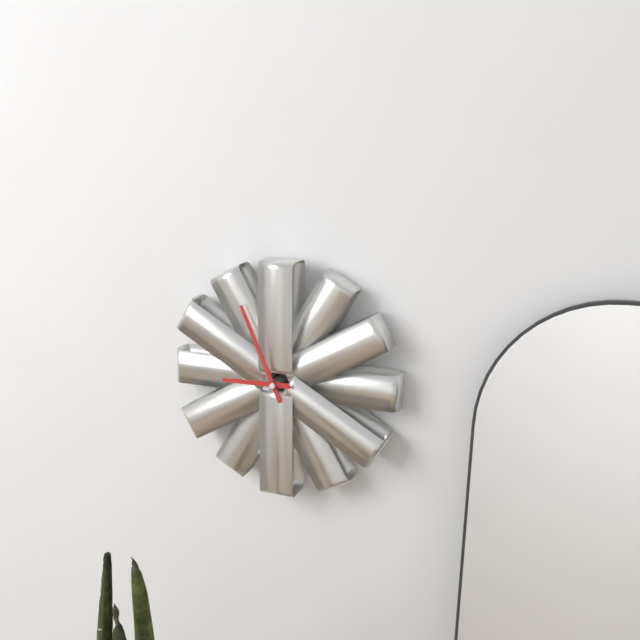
h=8 m=56
